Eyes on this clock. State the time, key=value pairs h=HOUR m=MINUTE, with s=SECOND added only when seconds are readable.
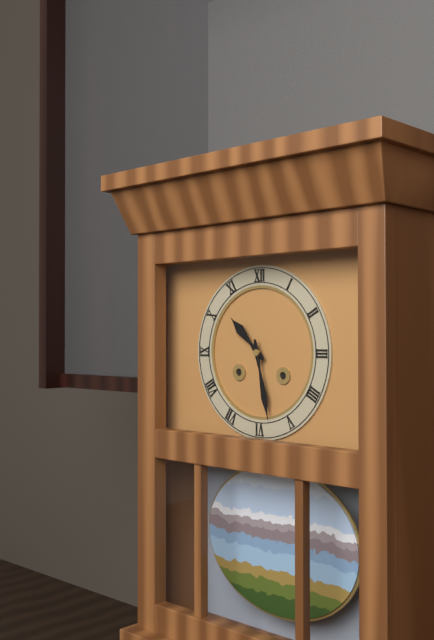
h=10 m=28
